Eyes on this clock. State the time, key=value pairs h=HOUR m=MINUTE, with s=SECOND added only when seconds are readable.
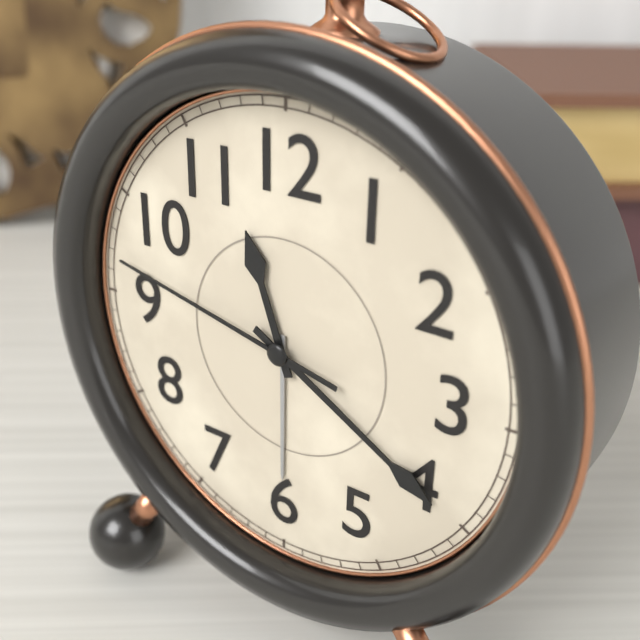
h=11 m=20 s=47
